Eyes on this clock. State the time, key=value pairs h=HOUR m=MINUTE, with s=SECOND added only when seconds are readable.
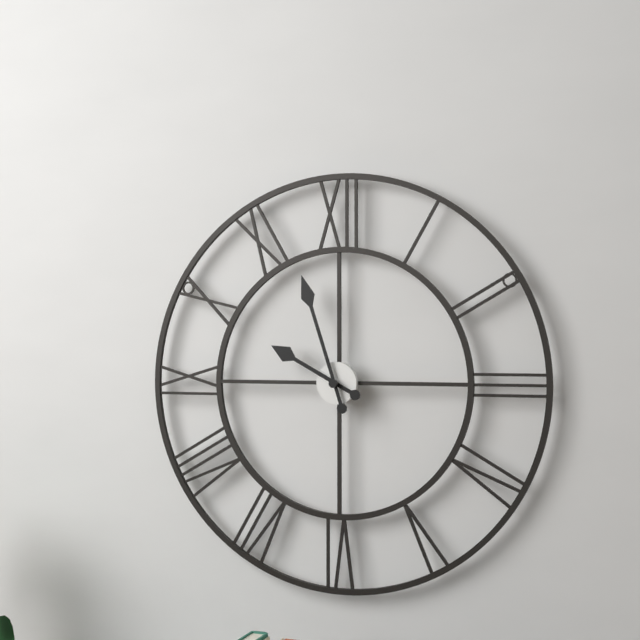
h=9 m=57
